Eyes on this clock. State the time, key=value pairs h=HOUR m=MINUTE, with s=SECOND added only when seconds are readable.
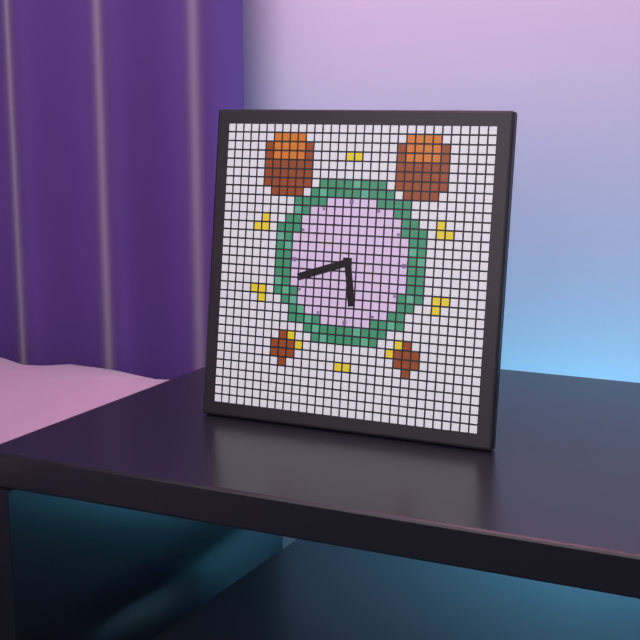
h=5 m=42
